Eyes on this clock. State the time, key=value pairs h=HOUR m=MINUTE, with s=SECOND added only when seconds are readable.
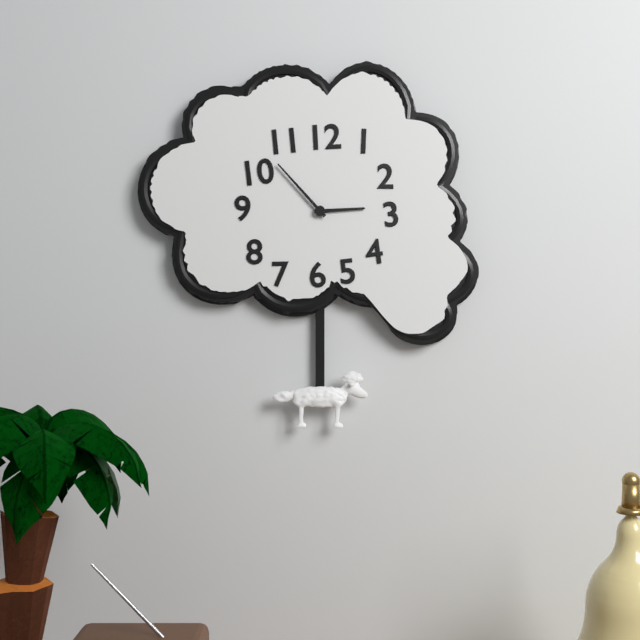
h=2 m=53
